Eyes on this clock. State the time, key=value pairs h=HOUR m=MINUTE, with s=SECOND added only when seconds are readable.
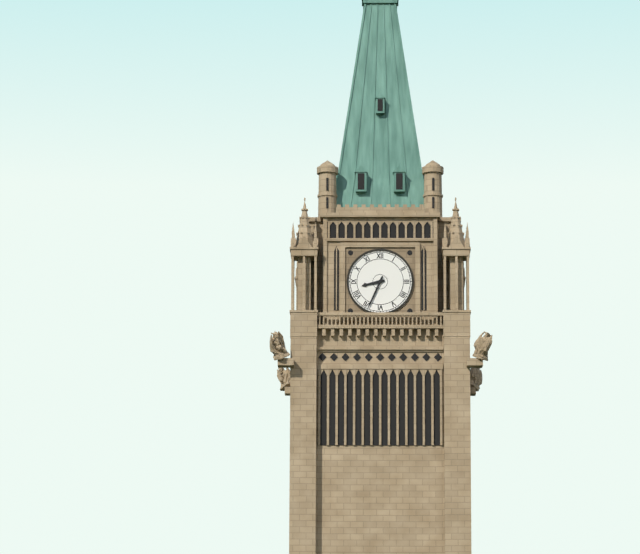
h=8 m=34
